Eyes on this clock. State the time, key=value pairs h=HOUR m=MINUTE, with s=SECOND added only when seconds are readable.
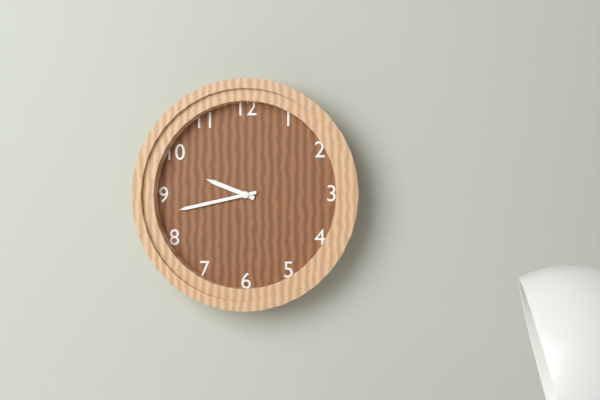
h=9 m=43
